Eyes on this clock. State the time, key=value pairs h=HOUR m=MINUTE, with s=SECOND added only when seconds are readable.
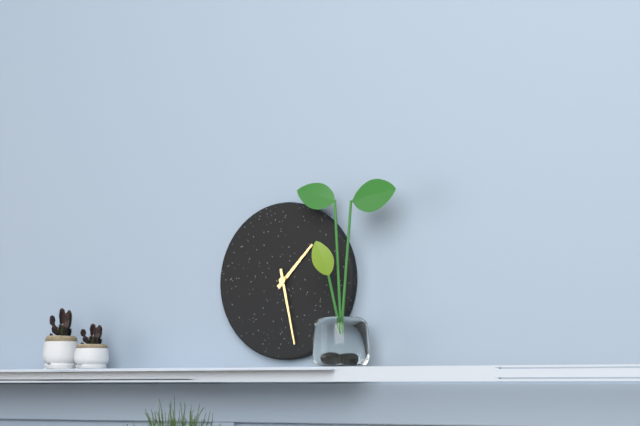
h=1 m=28
